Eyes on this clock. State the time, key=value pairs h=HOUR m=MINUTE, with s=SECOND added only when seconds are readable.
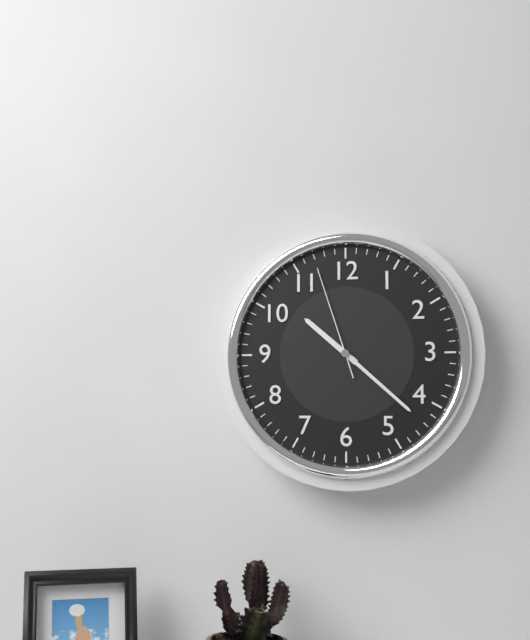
h=10 m=22 s=57
